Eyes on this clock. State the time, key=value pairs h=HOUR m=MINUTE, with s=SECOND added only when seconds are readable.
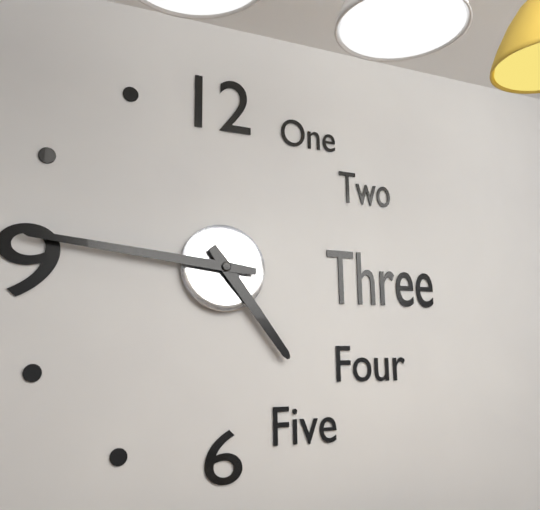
h=4 m=46
